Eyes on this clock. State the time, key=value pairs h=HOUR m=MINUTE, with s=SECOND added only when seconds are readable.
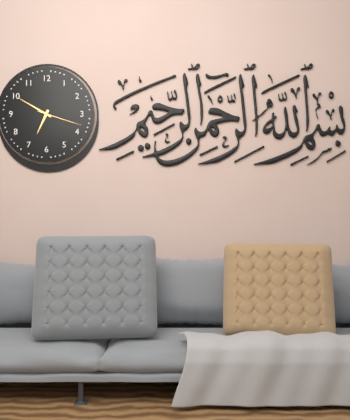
h=6 m=50
